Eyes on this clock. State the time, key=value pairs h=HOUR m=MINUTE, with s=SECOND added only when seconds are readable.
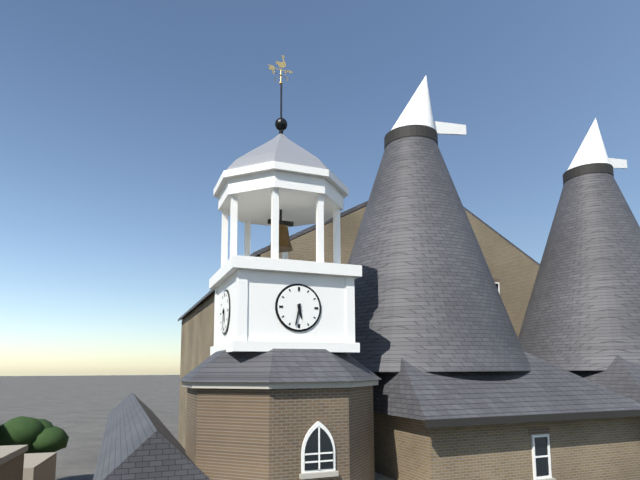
h=5 m=32
